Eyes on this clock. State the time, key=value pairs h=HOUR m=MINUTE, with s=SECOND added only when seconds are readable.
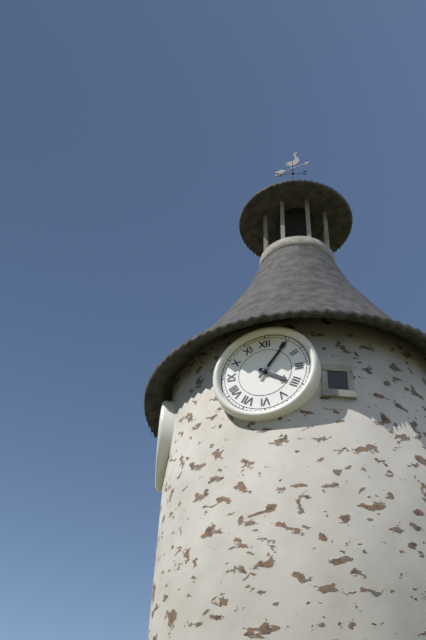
h=4 m=6
